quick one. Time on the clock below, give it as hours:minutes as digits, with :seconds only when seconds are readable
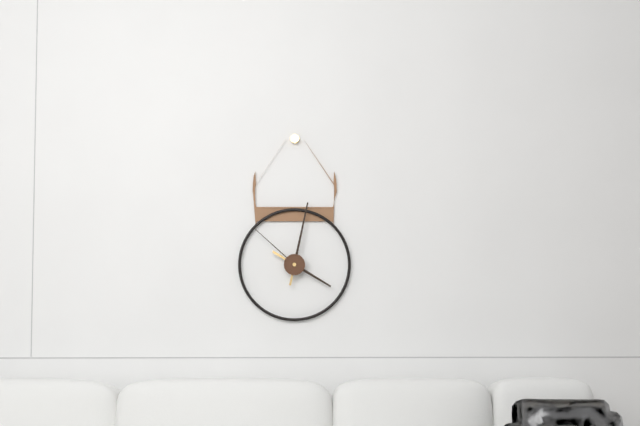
4:02:52
